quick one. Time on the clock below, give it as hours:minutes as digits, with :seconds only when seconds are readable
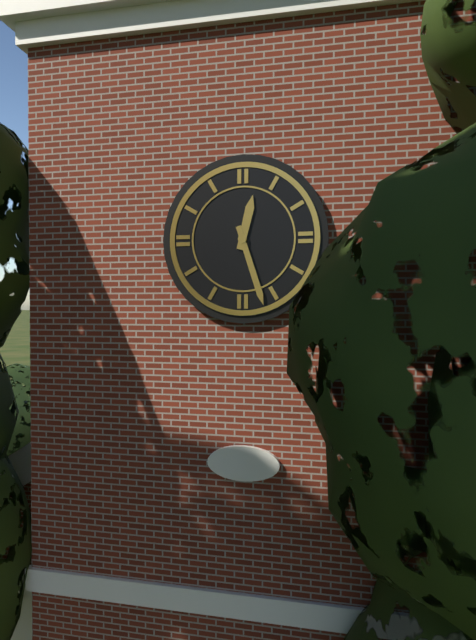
12:27
